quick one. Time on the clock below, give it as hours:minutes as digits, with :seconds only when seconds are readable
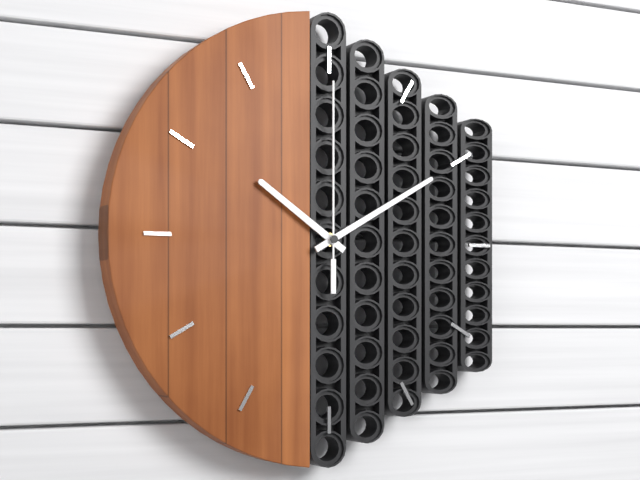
10:10:00
